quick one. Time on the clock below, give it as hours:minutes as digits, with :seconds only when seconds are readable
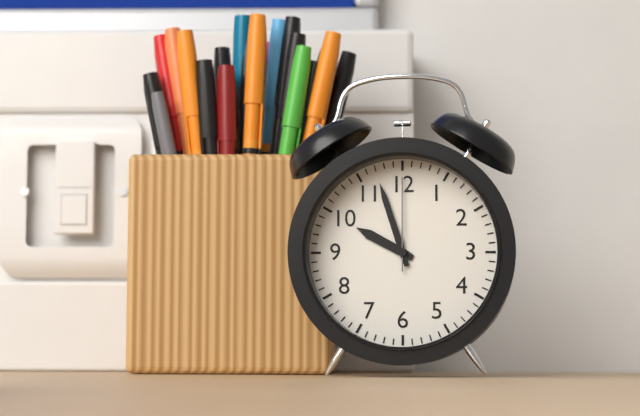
9:57:00
